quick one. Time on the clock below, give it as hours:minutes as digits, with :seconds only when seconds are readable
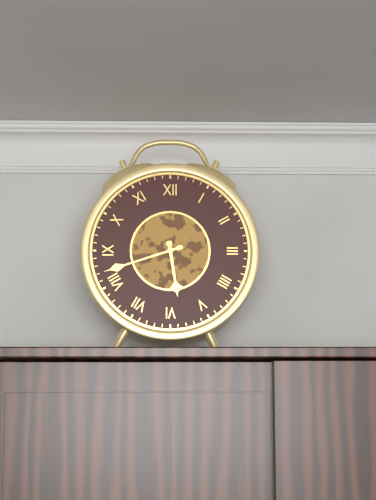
5:42
